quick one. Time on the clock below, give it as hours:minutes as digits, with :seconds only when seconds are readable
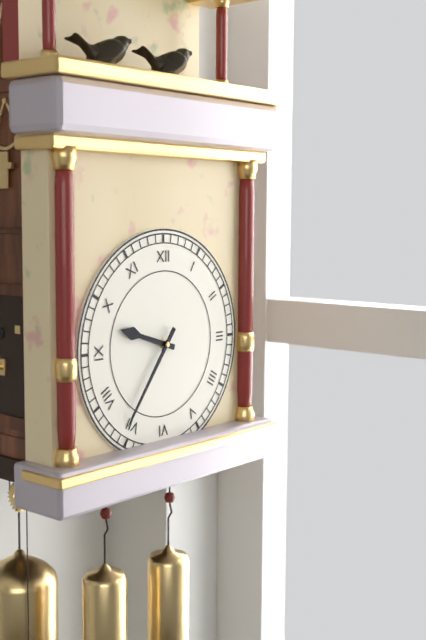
9:36
